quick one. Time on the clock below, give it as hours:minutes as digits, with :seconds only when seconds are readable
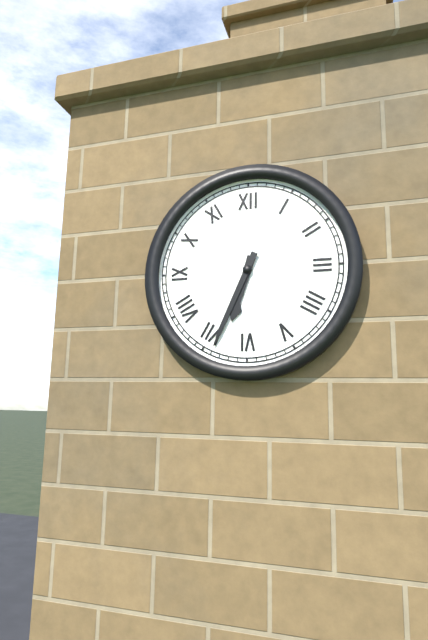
6:34
